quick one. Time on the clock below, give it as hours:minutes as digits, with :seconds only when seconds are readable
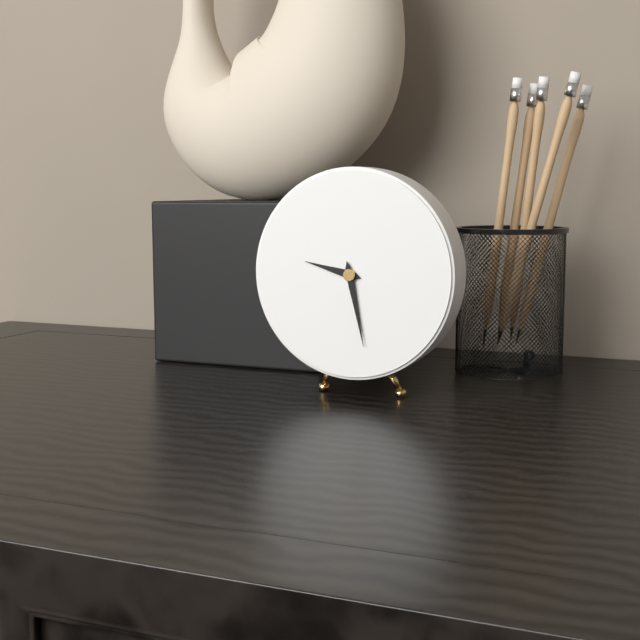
9:28
